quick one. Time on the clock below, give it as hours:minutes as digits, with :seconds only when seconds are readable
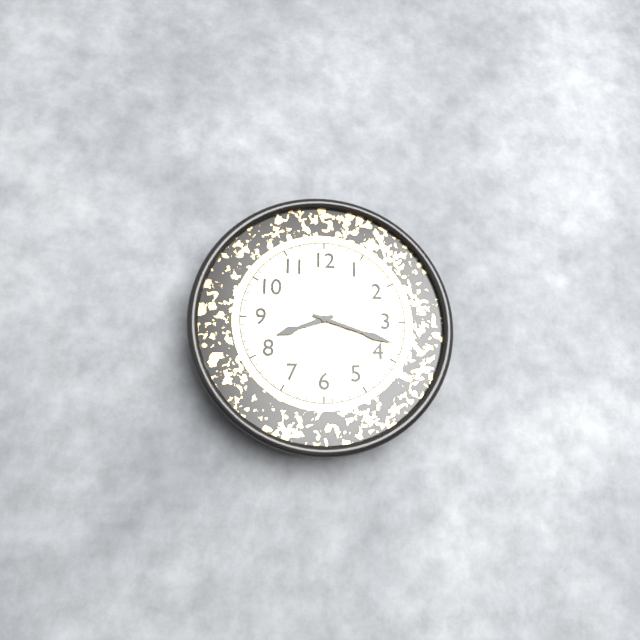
8:18
